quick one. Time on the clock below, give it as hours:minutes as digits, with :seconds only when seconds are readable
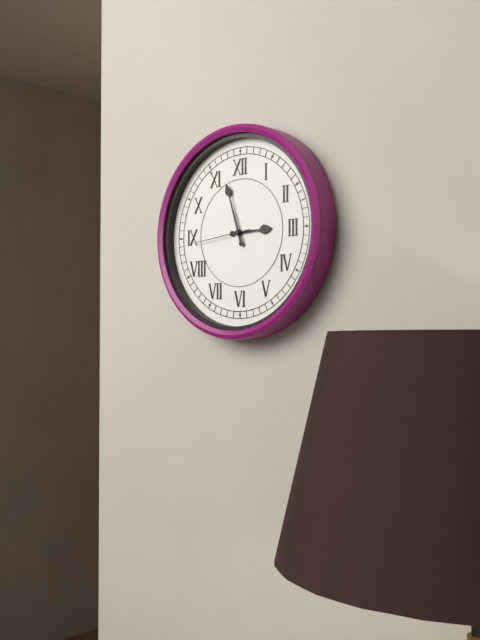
2:57:44
